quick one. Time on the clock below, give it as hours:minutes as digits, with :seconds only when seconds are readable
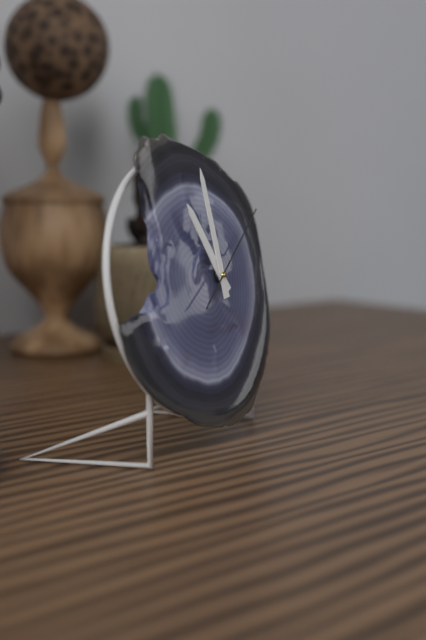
10:59:09
